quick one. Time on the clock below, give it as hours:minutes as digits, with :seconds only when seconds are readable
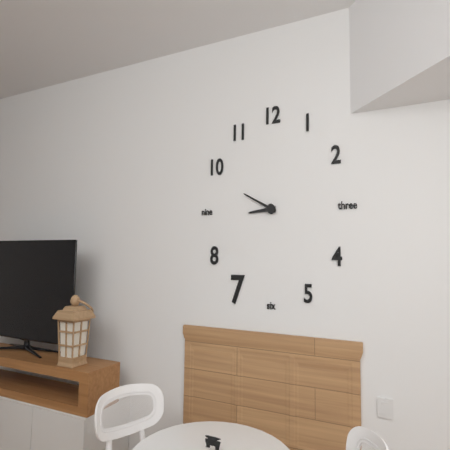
8:49
